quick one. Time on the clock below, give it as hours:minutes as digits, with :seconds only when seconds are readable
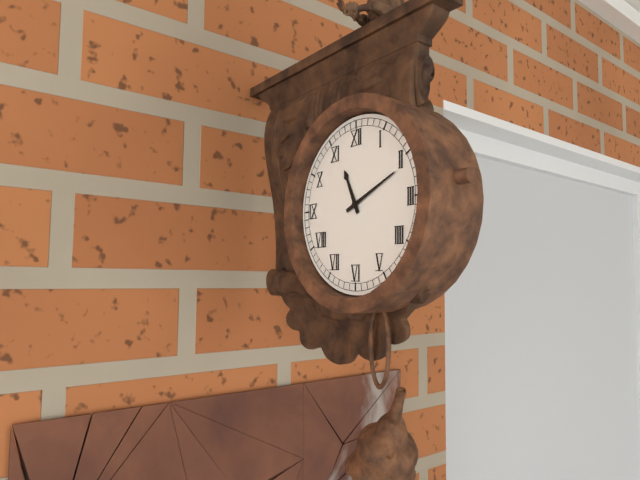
11:11
